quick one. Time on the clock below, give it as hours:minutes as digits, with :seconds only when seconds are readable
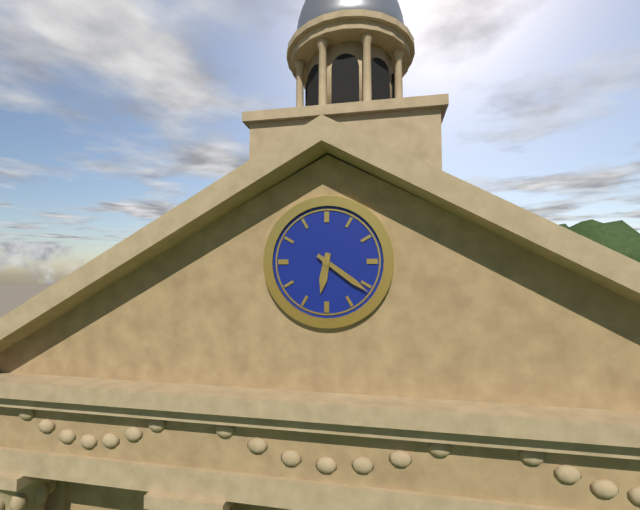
6:21
